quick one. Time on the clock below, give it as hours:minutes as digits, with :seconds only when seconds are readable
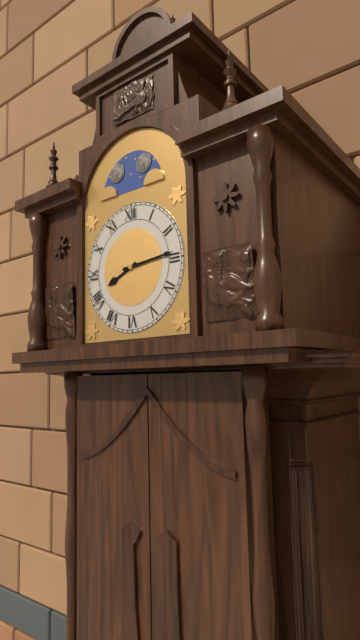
8:14
